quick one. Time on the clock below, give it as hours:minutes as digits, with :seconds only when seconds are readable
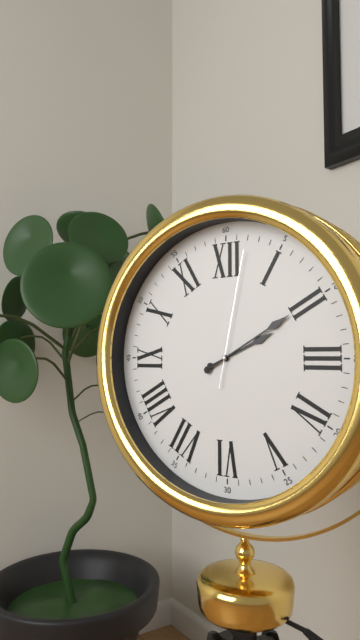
2:10:02
